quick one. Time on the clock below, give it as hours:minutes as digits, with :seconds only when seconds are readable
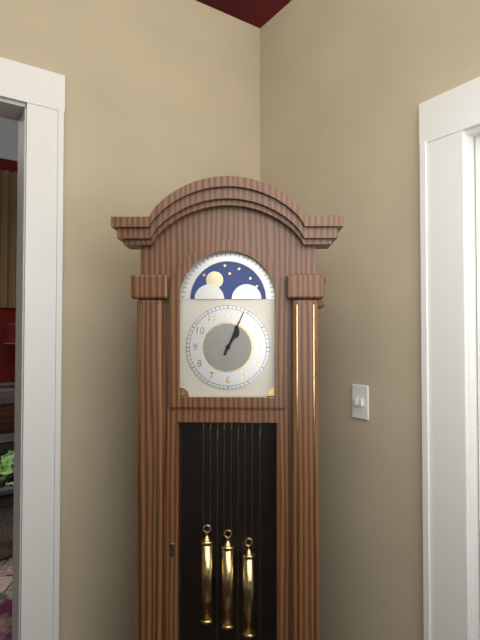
1:04
